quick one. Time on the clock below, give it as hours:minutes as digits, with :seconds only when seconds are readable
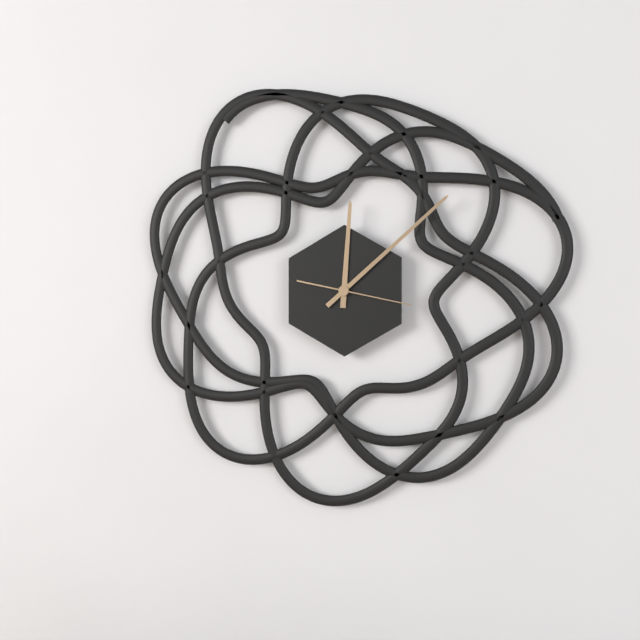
12:08:17
